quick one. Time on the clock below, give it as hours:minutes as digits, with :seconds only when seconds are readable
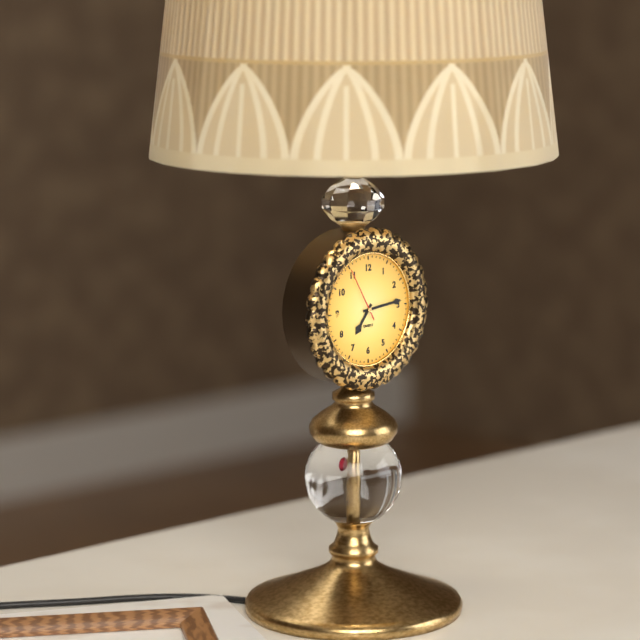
7:14:55
